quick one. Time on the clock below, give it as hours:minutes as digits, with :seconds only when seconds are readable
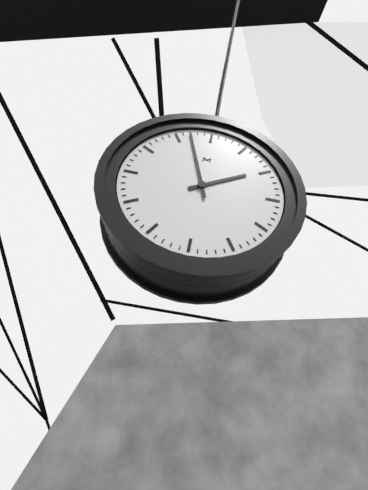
1:57
